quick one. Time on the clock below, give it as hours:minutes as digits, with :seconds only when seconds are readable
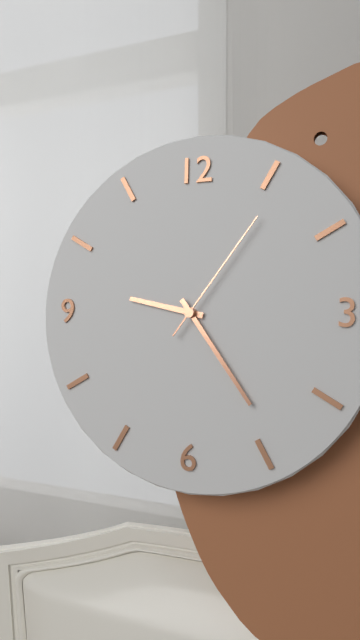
9:24:06
